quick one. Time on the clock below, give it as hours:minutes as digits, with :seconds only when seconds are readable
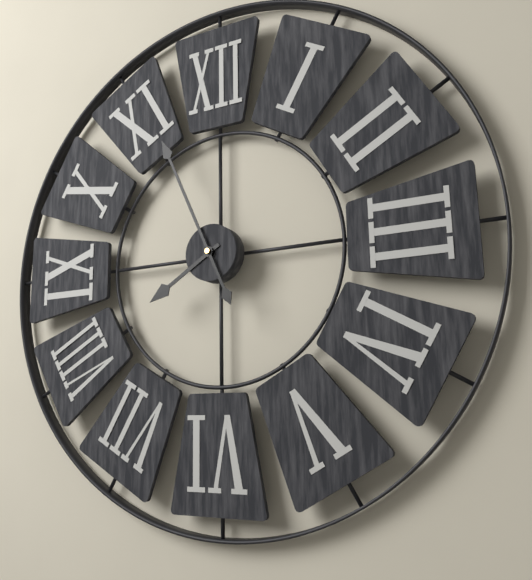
7:56
